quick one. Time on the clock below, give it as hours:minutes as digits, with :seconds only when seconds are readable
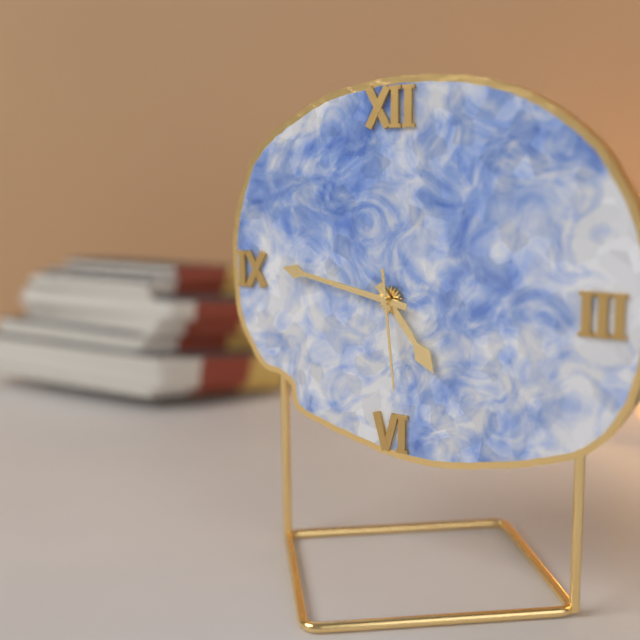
4:47:29
